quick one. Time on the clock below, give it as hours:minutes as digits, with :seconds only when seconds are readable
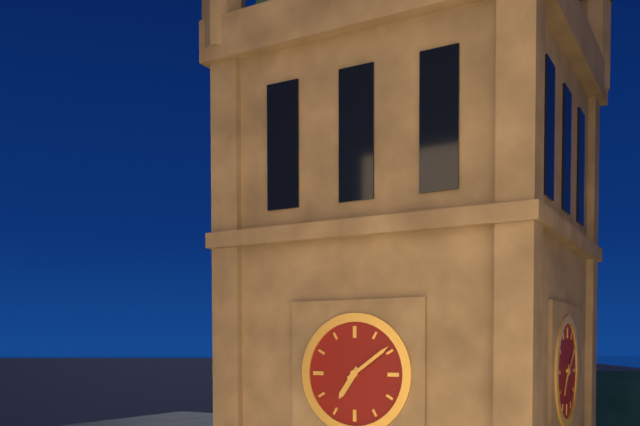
7:09
